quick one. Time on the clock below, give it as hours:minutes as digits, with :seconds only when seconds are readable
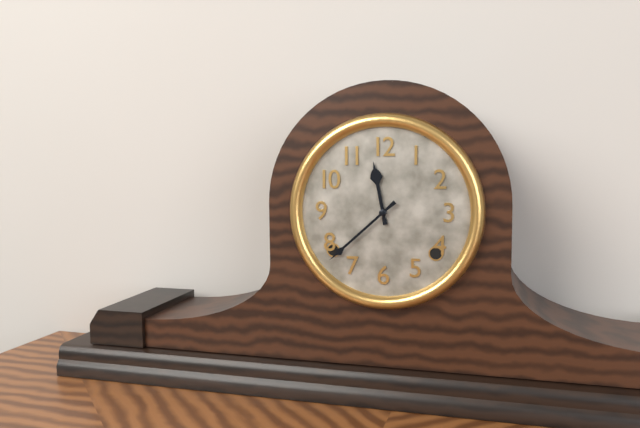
11:38
